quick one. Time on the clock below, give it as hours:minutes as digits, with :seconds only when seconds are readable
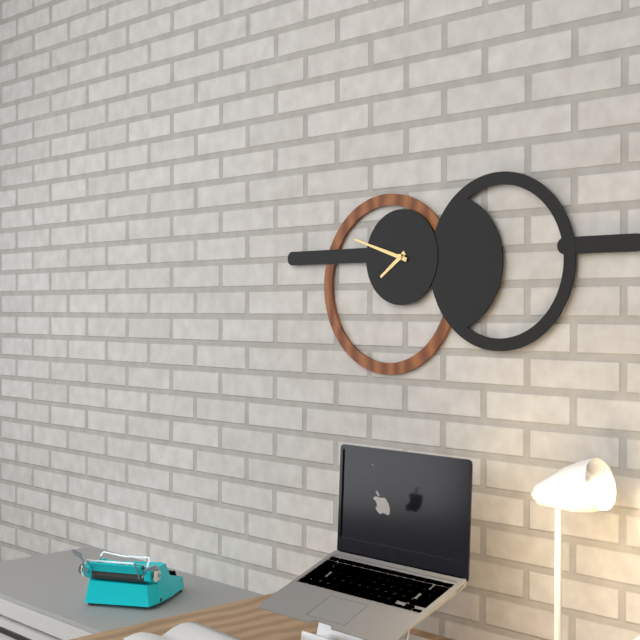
7:48
